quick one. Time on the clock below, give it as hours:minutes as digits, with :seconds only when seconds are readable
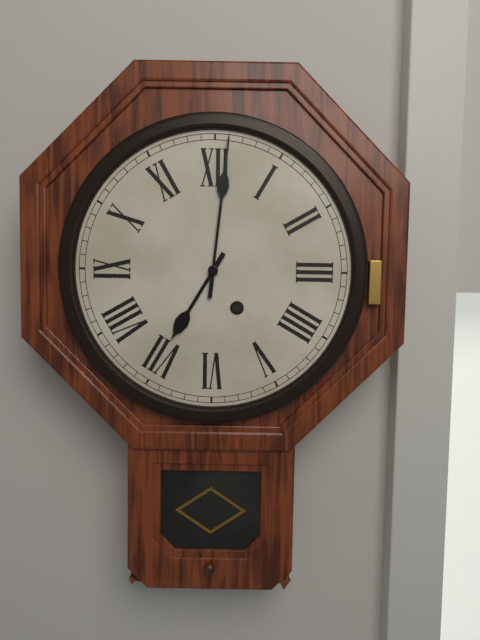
7:01
